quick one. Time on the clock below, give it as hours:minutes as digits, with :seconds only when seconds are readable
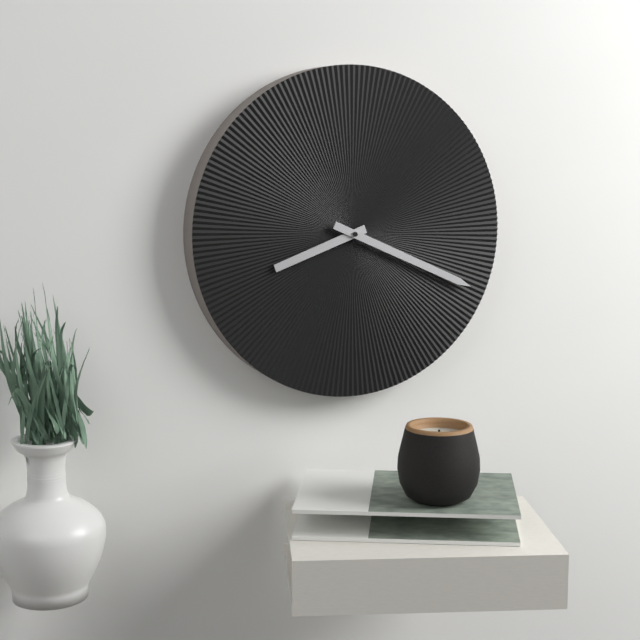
8:19
